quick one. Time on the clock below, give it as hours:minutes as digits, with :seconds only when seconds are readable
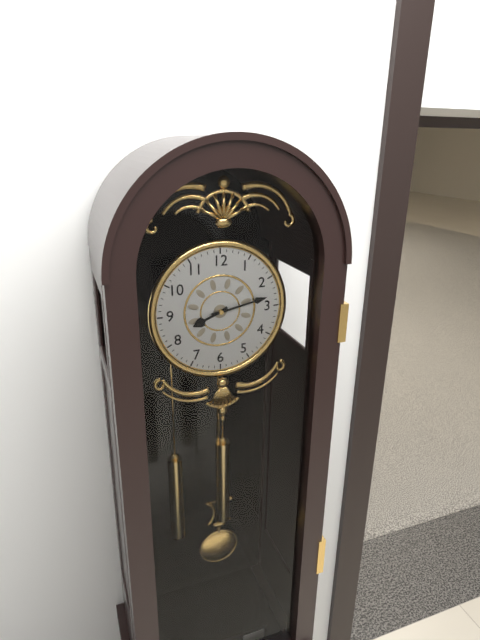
8:13
